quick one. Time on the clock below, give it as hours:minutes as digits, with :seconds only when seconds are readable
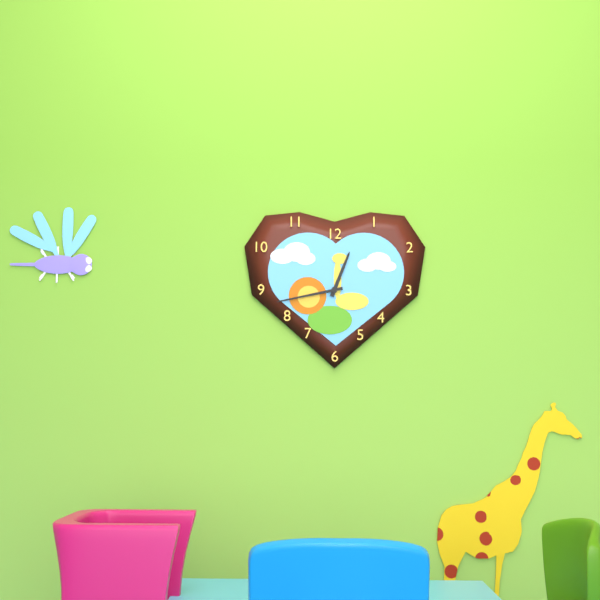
12:43
